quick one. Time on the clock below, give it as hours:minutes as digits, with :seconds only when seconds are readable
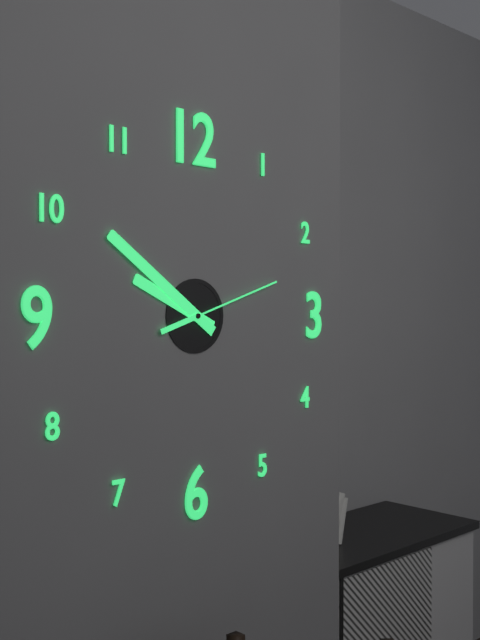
9:51:12
